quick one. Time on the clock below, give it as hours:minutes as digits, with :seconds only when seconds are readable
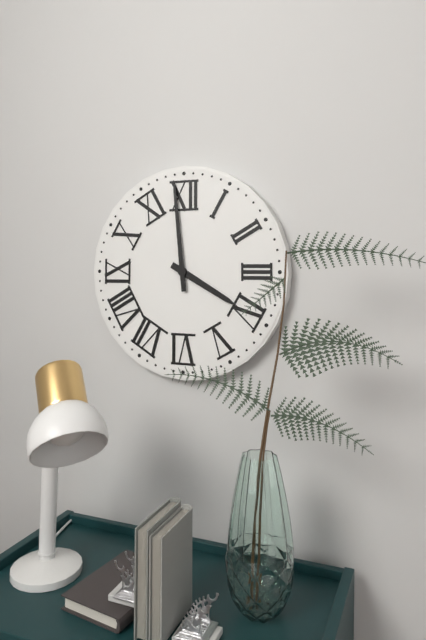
3:59
